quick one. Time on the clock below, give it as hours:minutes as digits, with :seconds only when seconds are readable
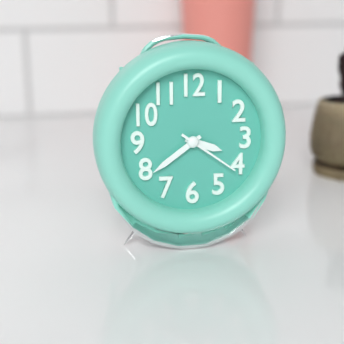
3:39:21
